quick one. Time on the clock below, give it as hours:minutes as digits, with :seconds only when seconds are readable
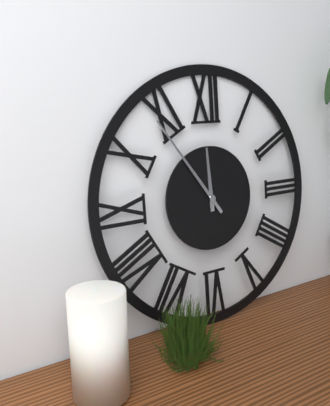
11:54
